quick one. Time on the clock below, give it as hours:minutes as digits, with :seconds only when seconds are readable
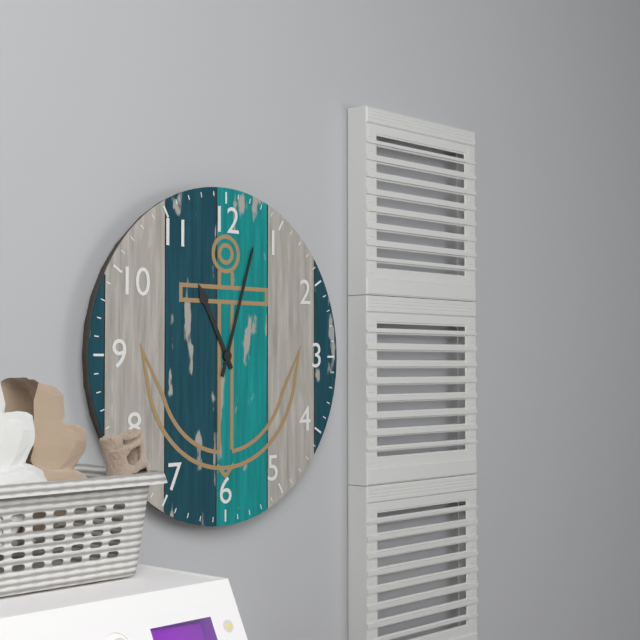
11:03
